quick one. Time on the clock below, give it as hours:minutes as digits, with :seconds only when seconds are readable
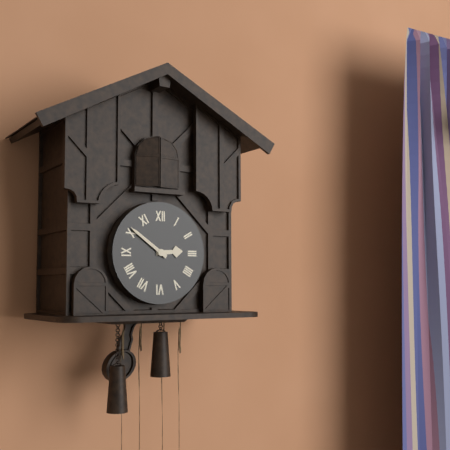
2:51
